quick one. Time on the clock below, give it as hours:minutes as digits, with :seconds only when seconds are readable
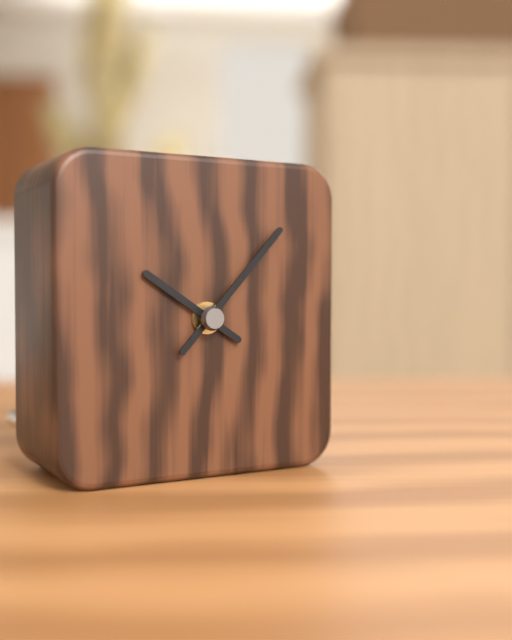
10:07
